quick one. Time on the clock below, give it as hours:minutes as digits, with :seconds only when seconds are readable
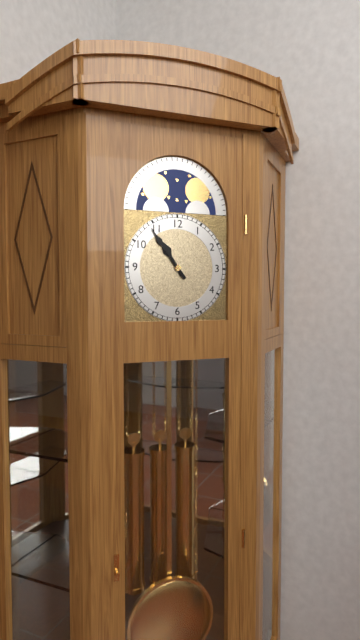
10:54
